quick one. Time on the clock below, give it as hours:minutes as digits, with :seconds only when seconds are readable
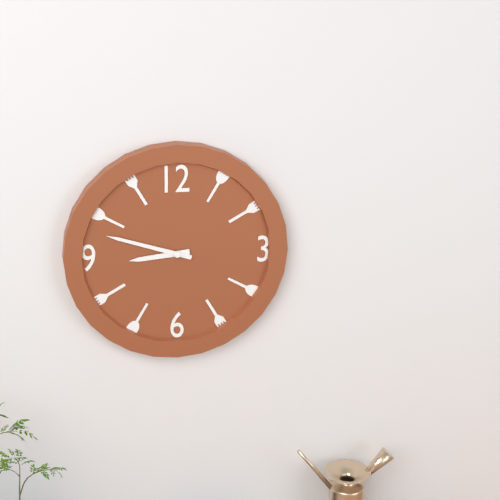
8:48
